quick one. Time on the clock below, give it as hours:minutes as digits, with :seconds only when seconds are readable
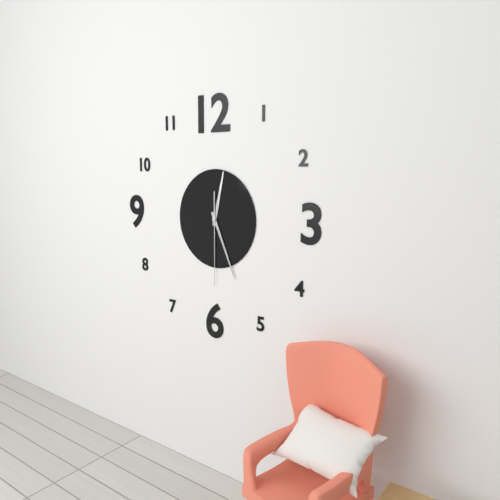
12:26:30
